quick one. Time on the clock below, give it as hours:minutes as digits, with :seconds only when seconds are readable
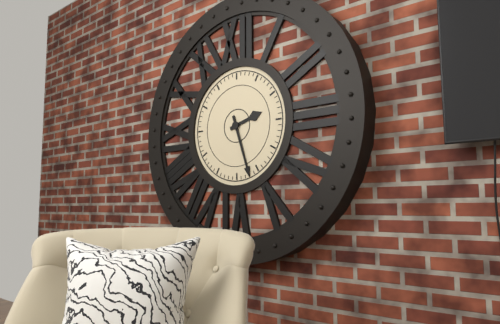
2:27
